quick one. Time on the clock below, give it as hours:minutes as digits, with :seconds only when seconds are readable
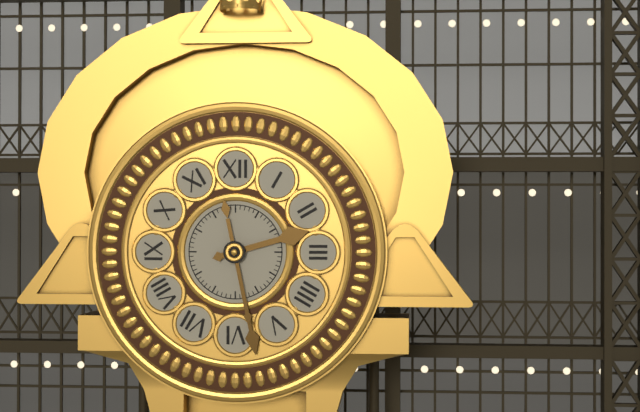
2:28
